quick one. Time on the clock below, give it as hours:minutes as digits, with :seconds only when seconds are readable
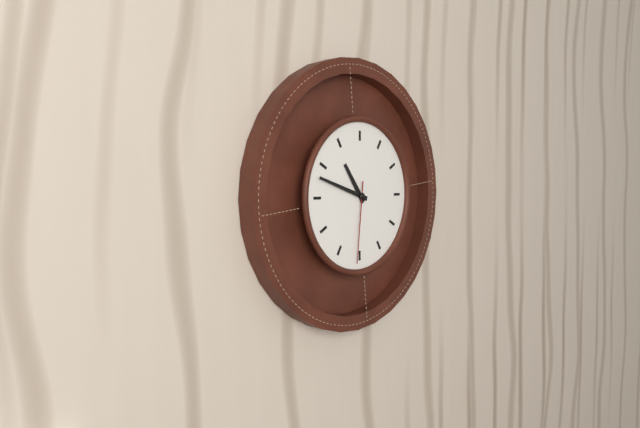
10:48:31
